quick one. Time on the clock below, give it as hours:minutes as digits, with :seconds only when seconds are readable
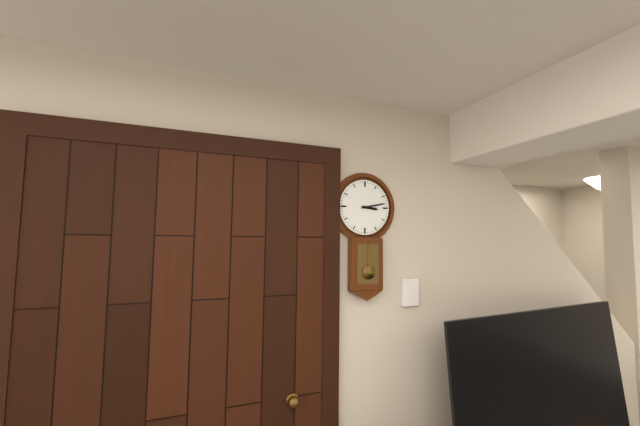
3:13
